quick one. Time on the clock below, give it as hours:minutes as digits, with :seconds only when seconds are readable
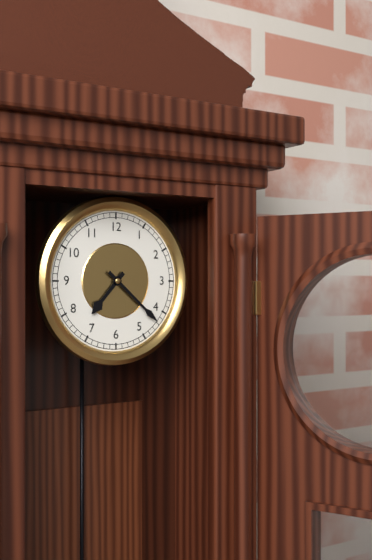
7:22
